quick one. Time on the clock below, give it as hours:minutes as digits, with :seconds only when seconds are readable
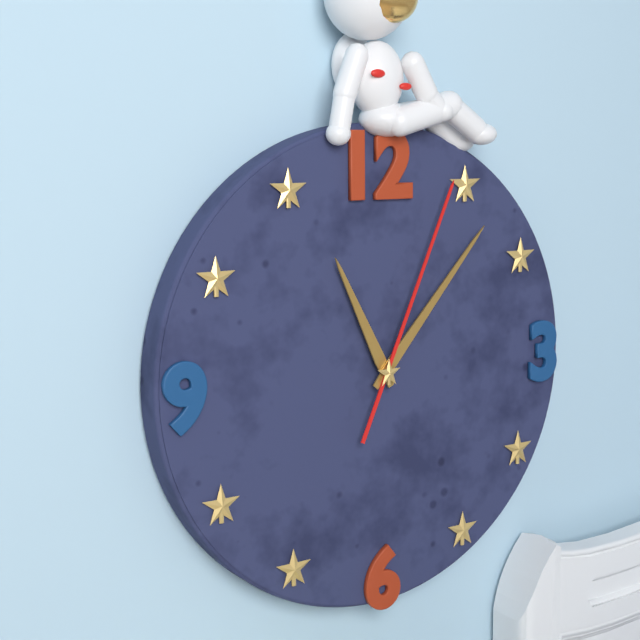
11:07:04
